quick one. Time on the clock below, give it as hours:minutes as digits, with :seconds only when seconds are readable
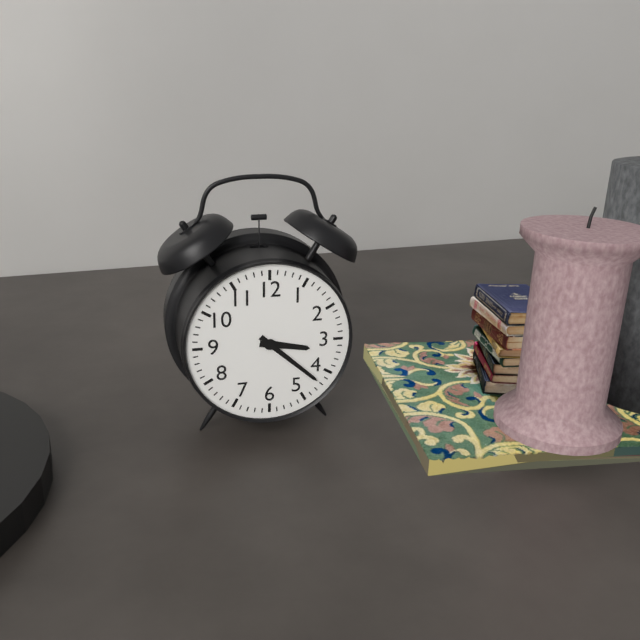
3:22
